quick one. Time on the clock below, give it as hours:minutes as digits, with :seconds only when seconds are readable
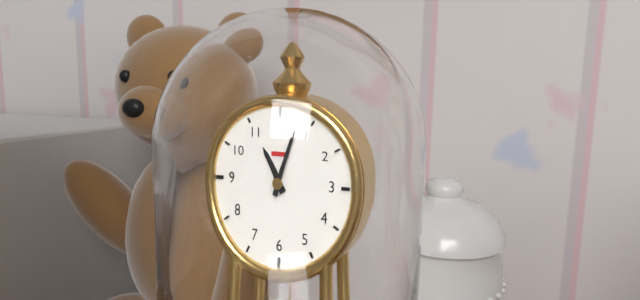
11:03
